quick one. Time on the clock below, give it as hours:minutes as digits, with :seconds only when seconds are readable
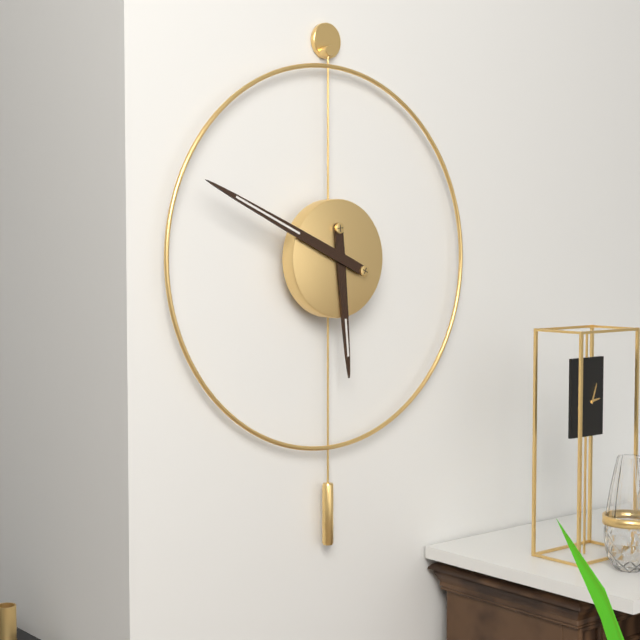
5:49
